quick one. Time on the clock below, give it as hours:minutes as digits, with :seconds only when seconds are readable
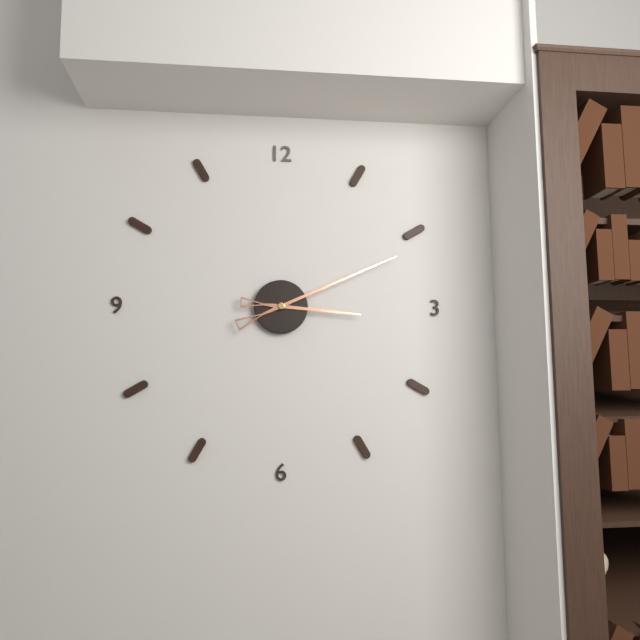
3:11
